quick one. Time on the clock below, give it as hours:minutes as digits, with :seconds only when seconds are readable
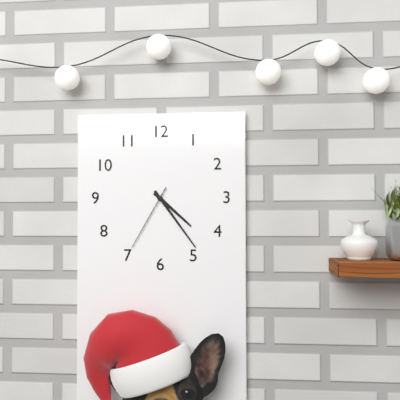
4:24:35
